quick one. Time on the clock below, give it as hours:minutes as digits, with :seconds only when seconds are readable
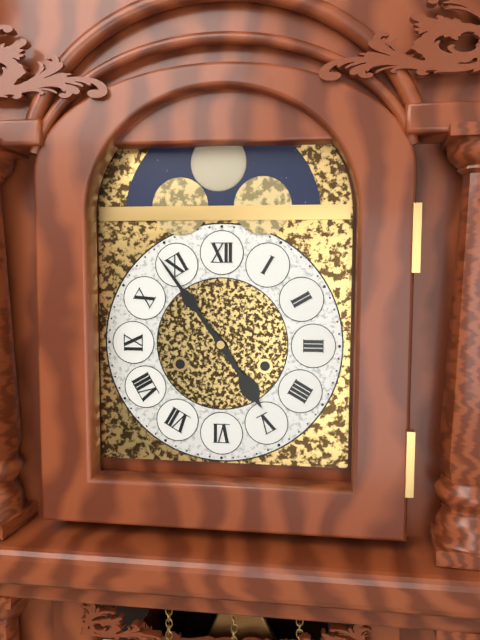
4:54
